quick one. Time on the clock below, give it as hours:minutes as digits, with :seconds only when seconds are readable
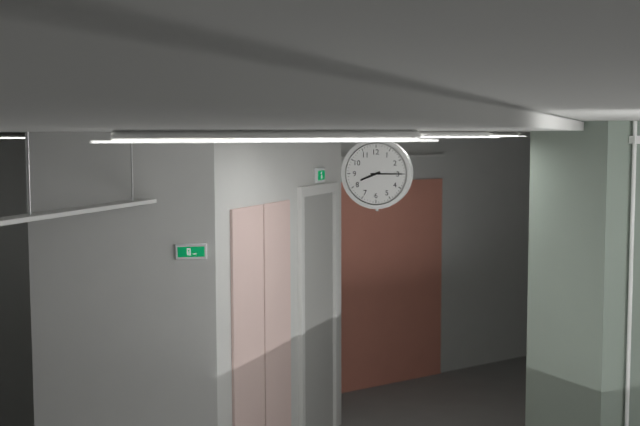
8:15
